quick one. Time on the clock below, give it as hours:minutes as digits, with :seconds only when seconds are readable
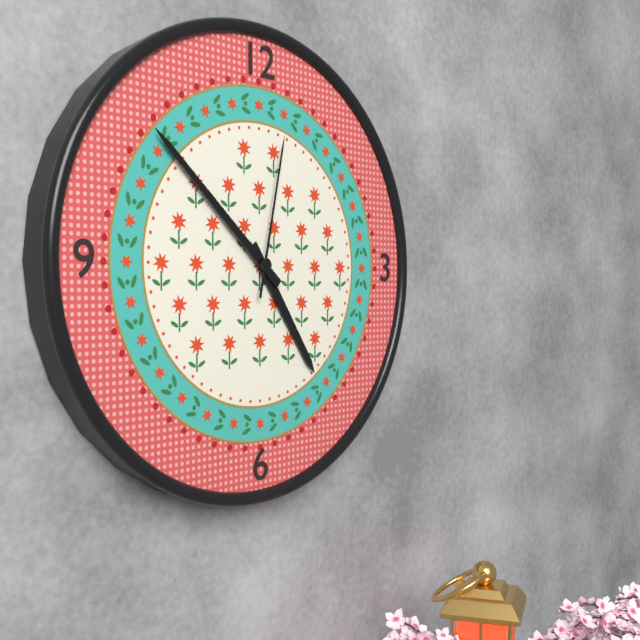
4:52:02
